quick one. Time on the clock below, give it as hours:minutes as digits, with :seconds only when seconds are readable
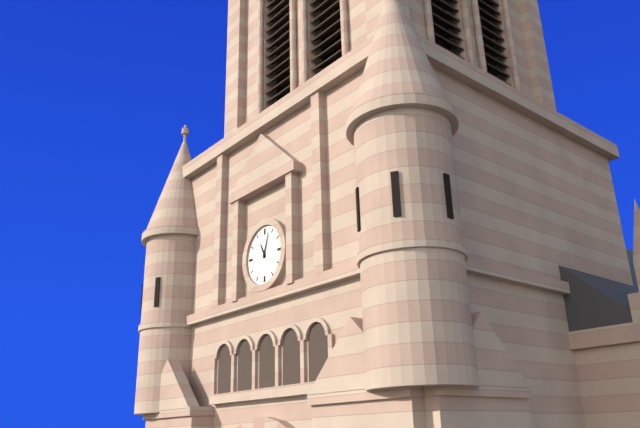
11:03
